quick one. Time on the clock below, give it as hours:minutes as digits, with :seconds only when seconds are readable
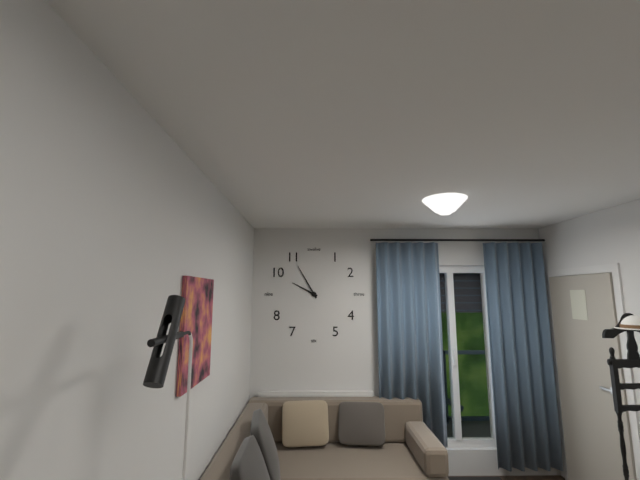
9:55
